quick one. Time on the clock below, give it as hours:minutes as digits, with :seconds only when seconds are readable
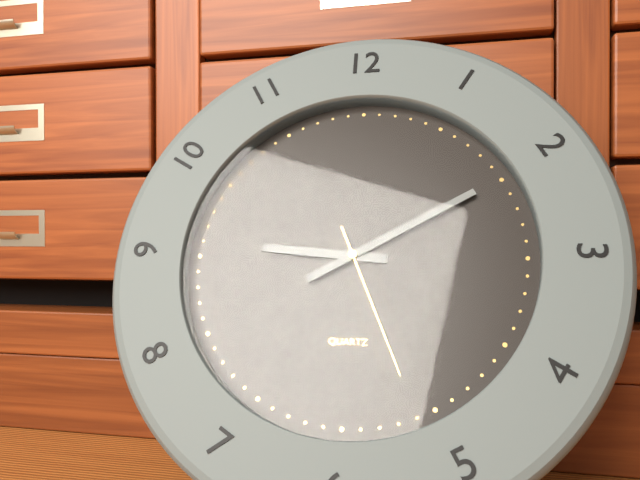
9:10:26
